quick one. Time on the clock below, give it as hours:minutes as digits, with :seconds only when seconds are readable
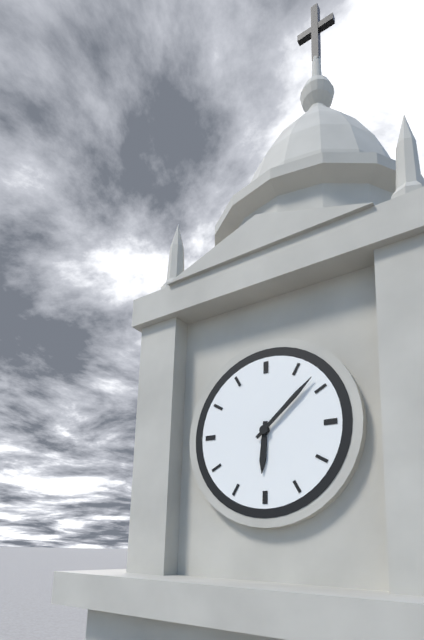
6:08
